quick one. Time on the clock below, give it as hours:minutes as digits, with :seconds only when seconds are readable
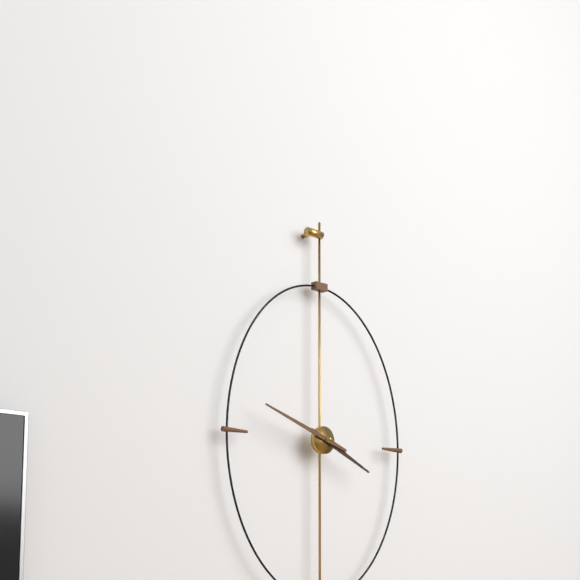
3:48
